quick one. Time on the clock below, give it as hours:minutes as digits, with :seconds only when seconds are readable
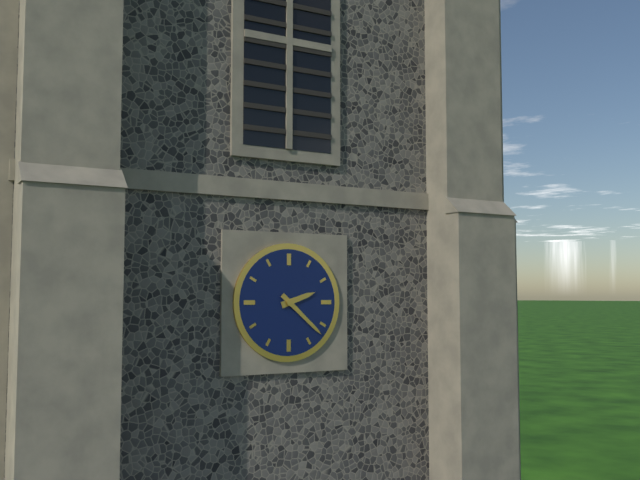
2:22
